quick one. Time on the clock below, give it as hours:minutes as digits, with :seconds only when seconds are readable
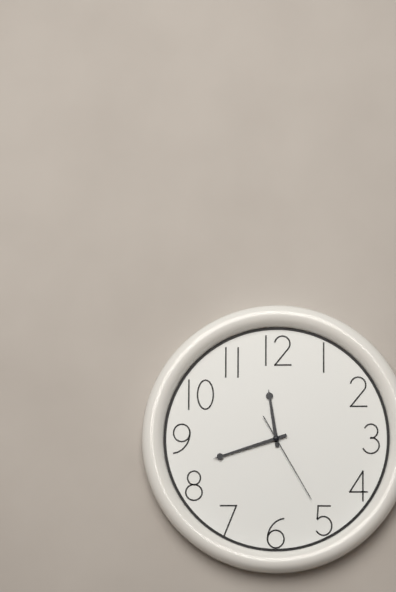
11:42:25
